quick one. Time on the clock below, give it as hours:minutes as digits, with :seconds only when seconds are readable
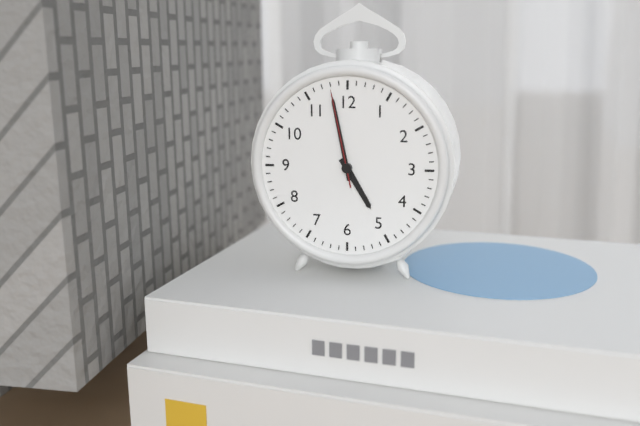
4:58:58
